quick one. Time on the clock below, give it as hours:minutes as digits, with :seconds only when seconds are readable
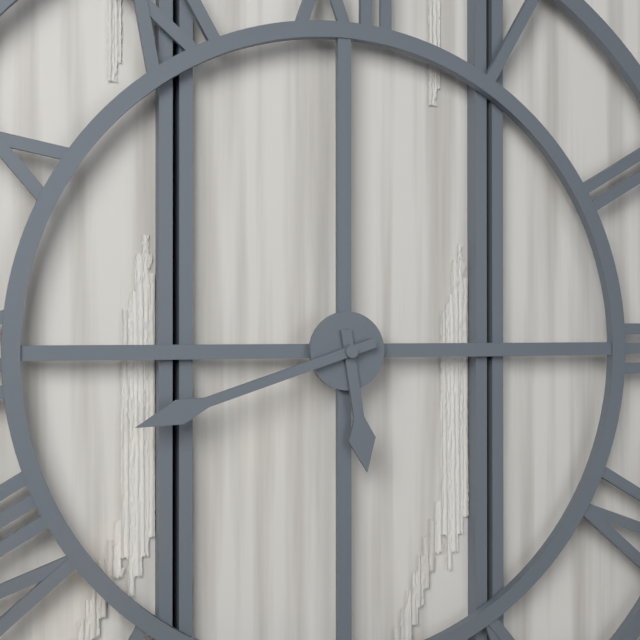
5:42
